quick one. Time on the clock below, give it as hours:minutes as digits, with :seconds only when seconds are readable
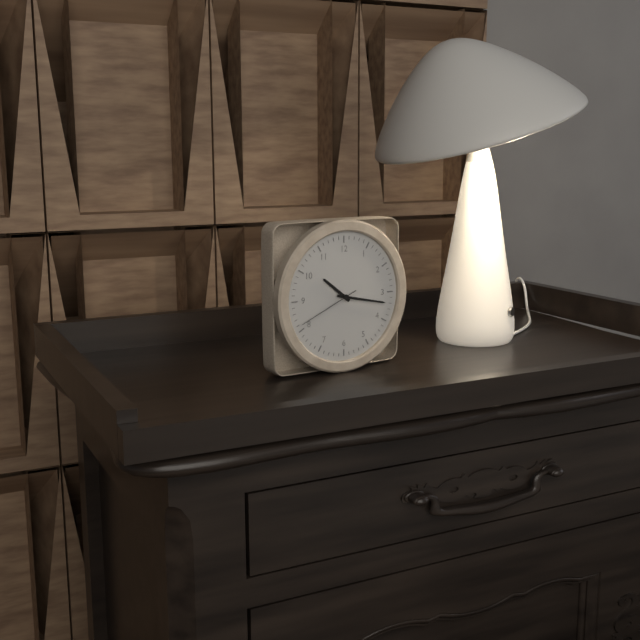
10:17:41
